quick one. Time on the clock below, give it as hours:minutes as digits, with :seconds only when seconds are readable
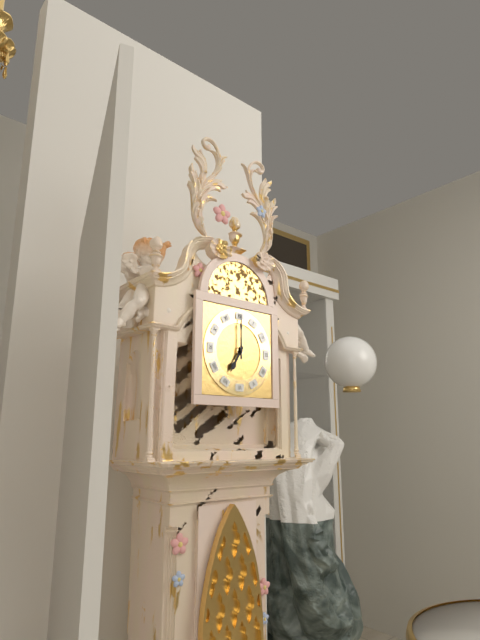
7:00
